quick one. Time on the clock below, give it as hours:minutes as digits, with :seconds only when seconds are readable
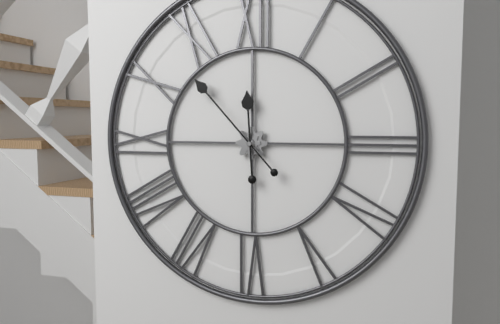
11:53
